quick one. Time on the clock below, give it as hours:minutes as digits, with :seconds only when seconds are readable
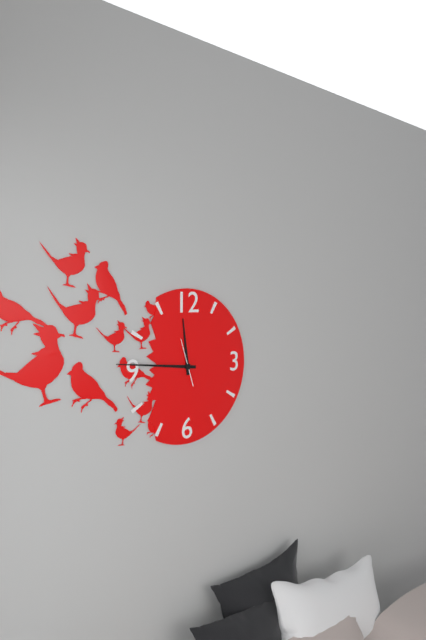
11:46
